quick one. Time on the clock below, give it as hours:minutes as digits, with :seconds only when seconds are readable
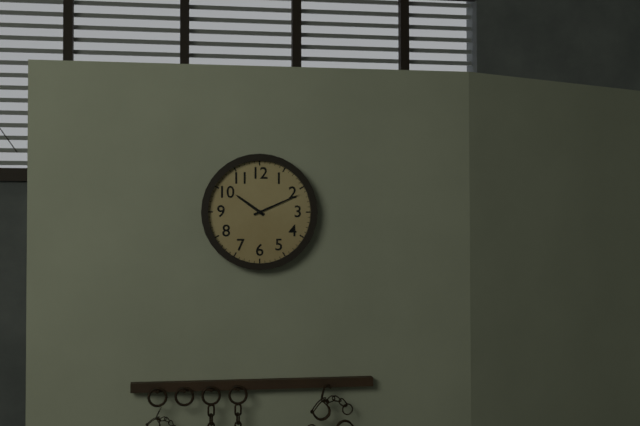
10:11
